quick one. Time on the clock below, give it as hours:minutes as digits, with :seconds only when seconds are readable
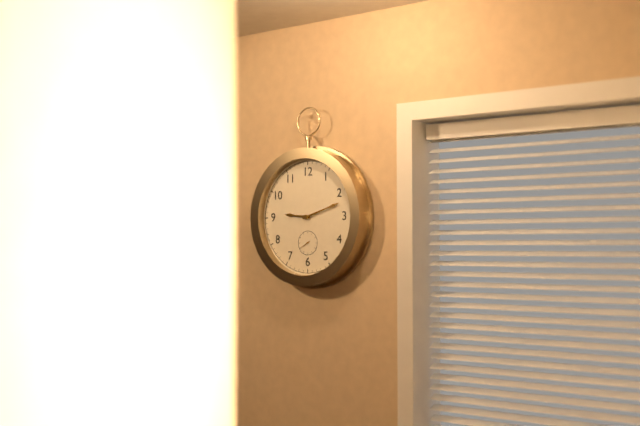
9:12
